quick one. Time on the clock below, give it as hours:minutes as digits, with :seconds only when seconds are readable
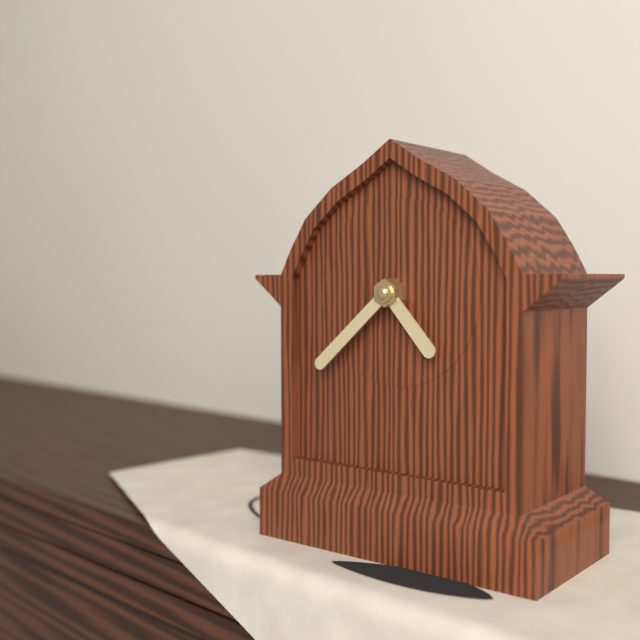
4:38
